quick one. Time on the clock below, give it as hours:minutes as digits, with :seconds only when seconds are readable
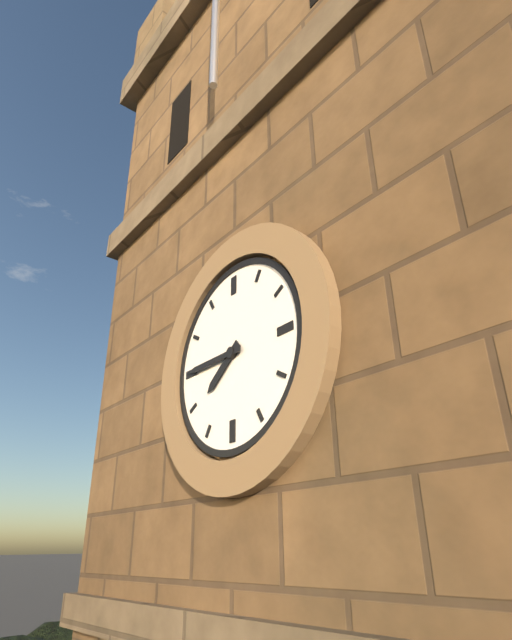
7:45
